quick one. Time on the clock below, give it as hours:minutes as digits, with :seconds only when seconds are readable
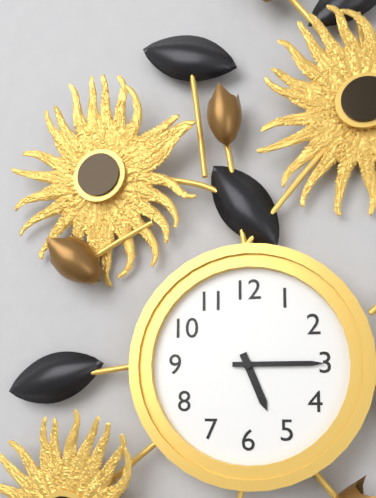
5:15
